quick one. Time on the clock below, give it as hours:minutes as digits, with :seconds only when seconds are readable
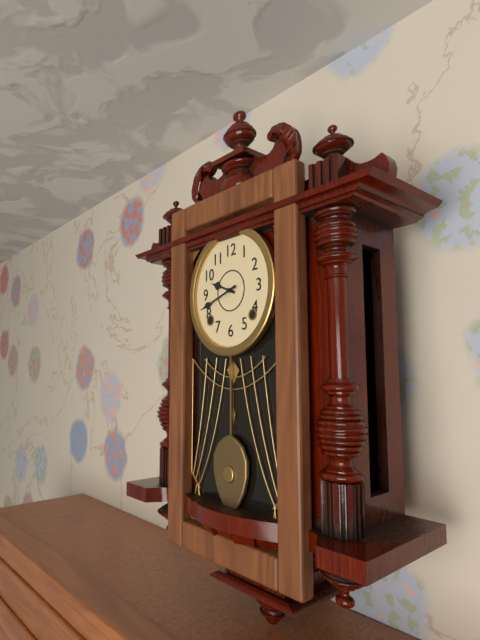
9:42
